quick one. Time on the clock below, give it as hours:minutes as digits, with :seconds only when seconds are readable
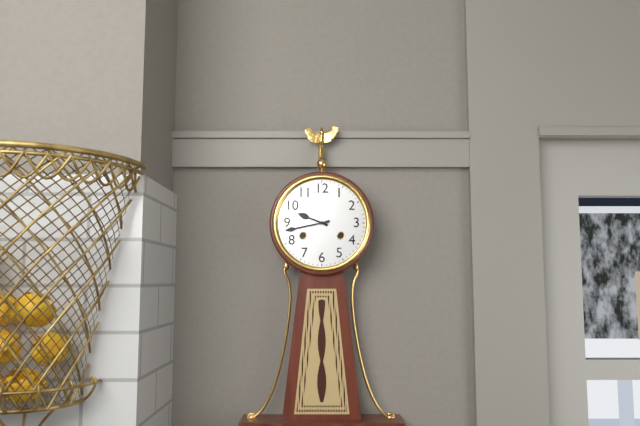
9:43
